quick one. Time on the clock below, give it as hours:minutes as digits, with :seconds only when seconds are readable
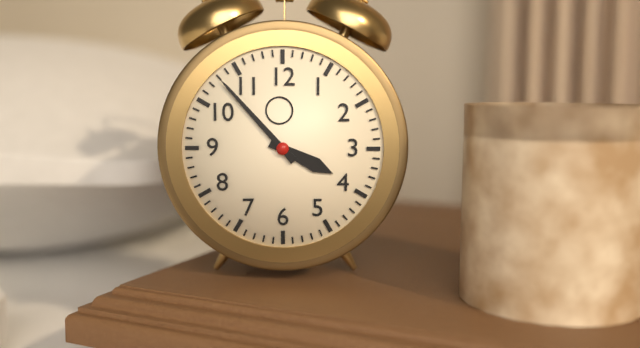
3:53
